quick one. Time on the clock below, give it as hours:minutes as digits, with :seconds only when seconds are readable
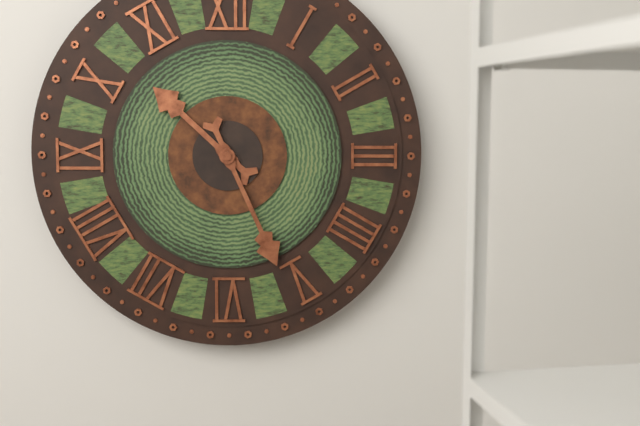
10:26
